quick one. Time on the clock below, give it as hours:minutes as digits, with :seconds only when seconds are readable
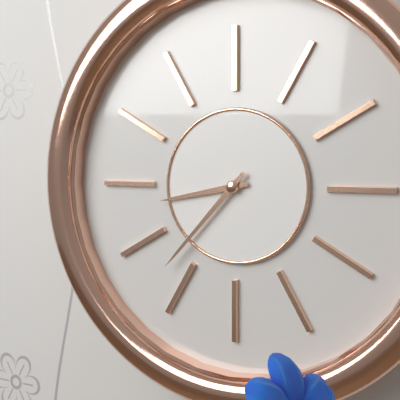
8:37
